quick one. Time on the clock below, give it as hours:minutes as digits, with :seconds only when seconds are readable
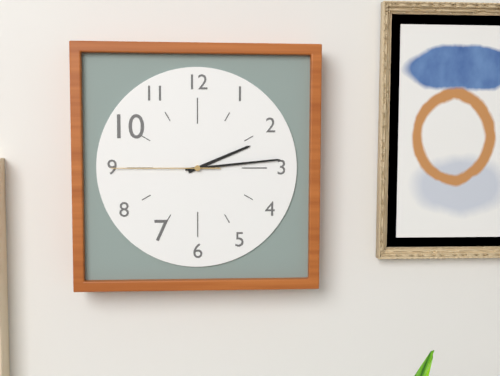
2:14:45
